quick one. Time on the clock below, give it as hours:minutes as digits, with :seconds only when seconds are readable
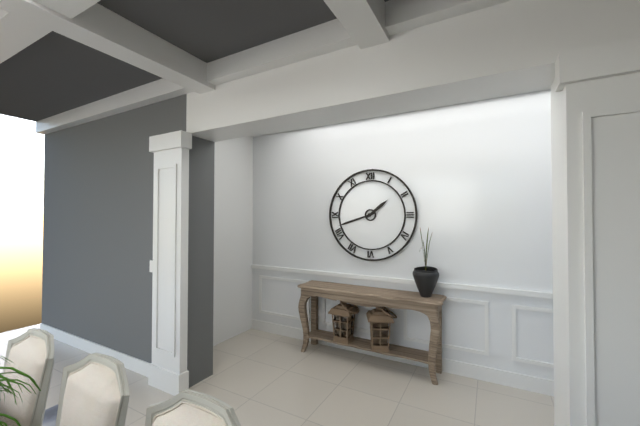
1:42
